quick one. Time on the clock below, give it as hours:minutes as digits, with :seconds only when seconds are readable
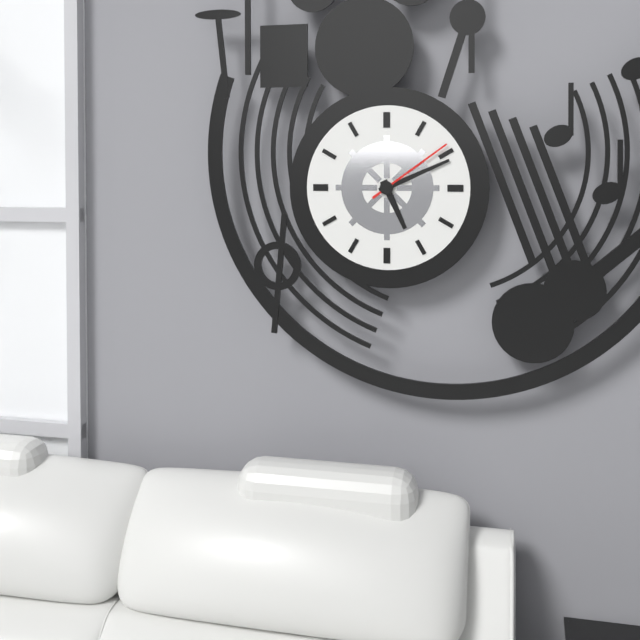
5:11:09
